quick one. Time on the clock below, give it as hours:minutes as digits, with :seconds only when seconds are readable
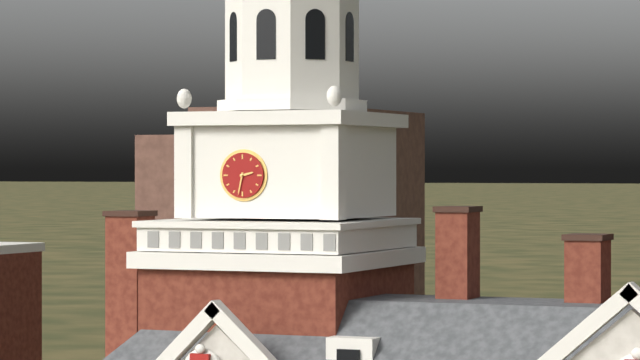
2:32
